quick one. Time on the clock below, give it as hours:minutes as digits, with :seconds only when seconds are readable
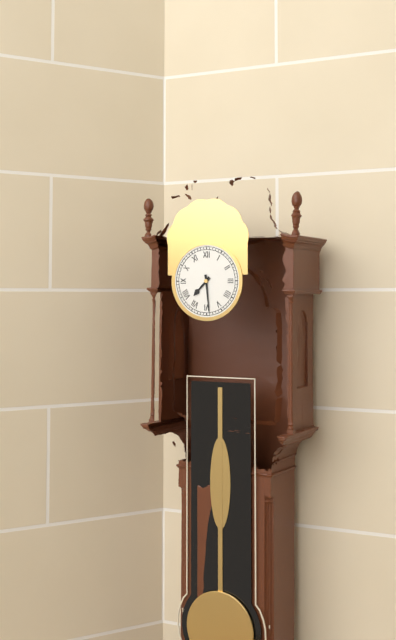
7:29
